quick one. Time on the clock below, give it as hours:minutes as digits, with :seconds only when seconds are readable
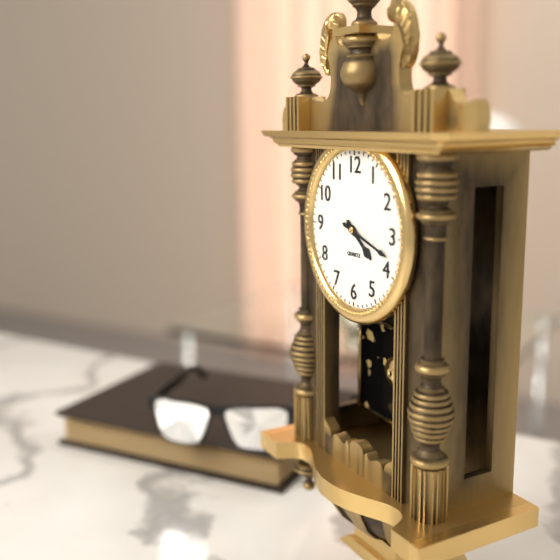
4:18
